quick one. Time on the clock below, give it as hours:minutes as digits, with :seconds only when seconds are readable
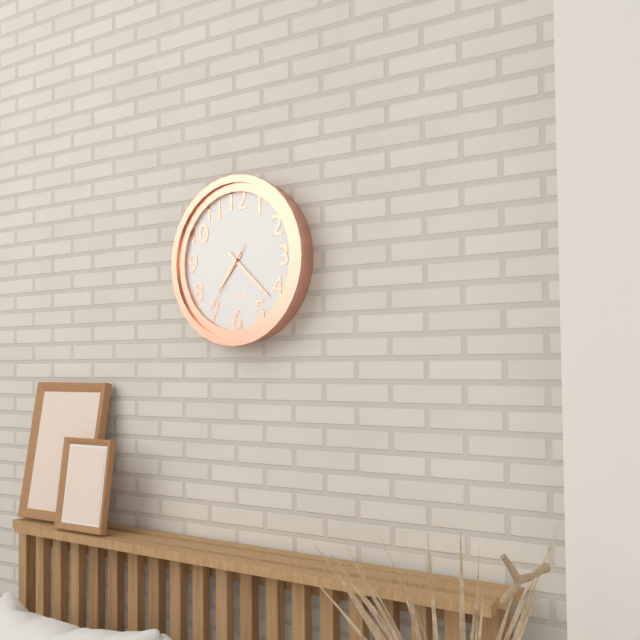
7:22:36
